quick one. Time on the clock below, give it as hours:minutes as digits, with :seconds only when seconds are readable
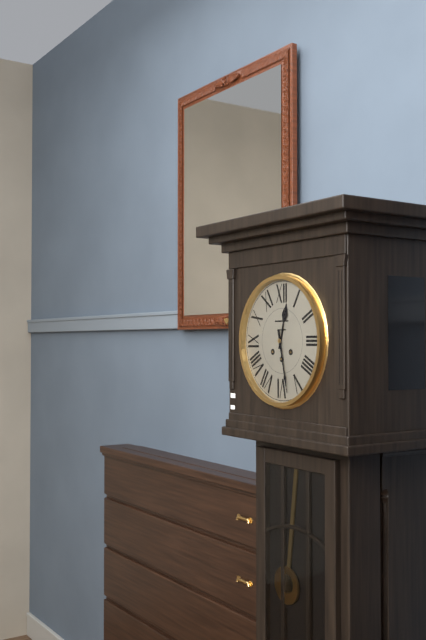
12:28
